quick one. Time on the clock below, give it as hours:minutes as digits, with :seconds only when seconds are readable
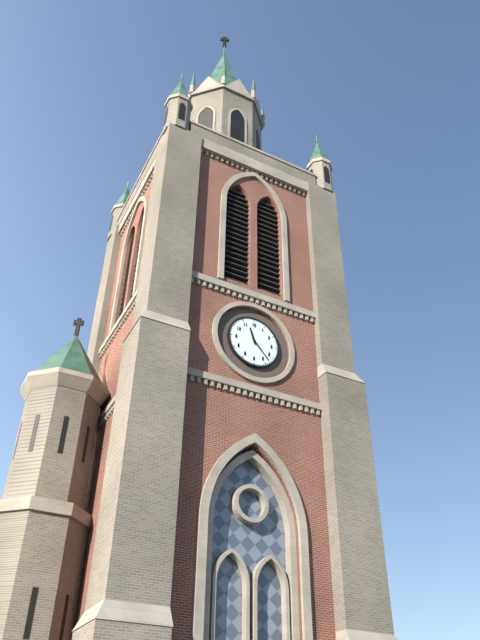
11:23
